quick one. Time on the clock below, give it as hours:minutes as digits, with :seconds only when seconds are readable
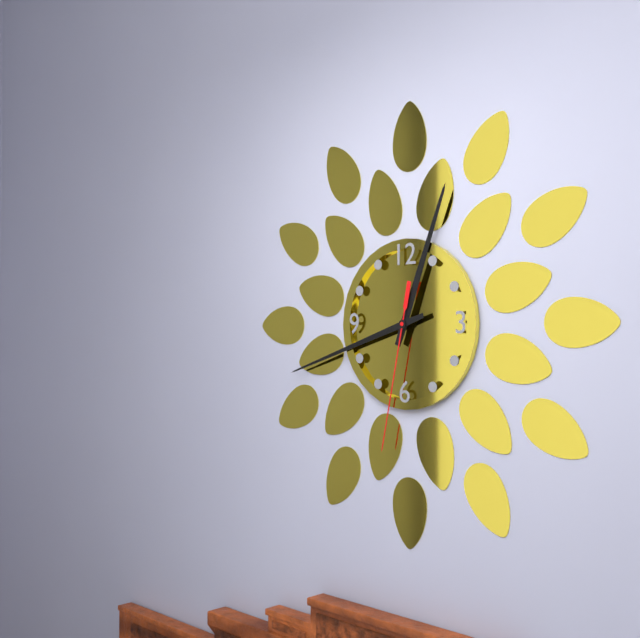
12:42:32
